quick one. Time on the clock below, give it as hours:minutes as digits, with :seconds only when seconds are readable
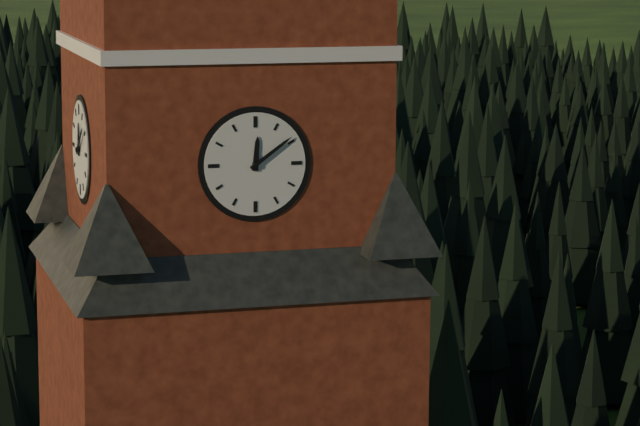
12:09
